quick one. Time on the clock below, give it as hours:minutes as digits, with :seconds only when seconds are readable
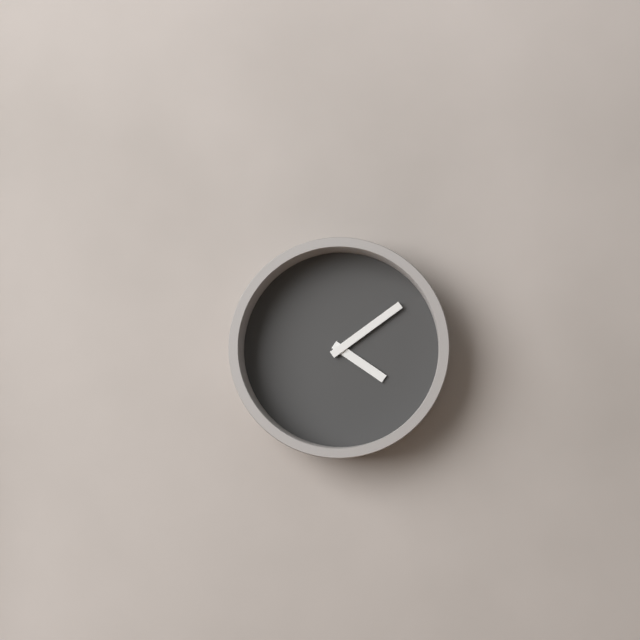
4:09
